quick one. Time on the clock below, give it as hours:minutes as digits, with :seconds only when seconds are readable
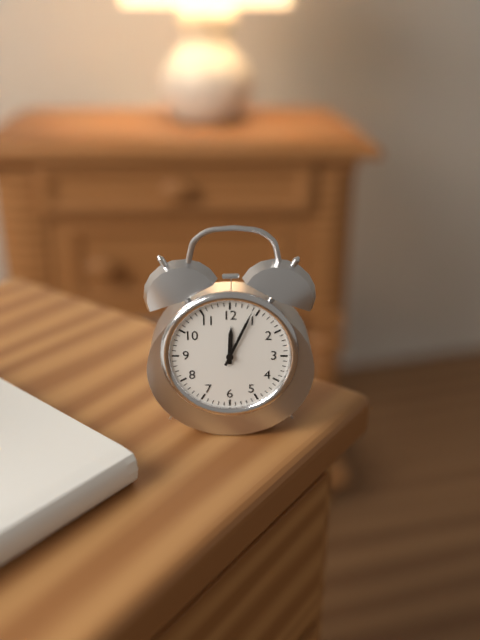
12:04
